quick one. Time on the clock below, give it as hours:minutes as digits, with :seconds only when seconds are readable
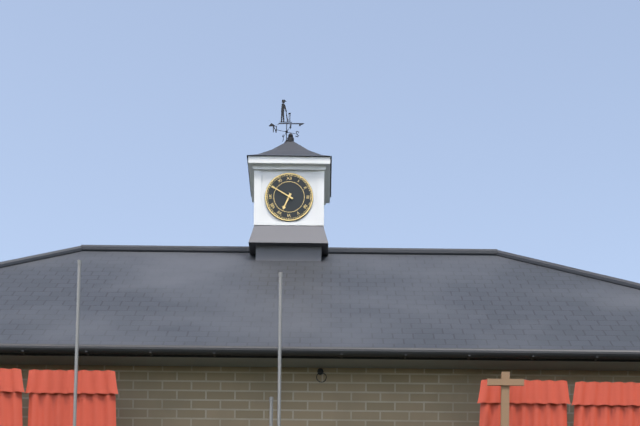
6:50
